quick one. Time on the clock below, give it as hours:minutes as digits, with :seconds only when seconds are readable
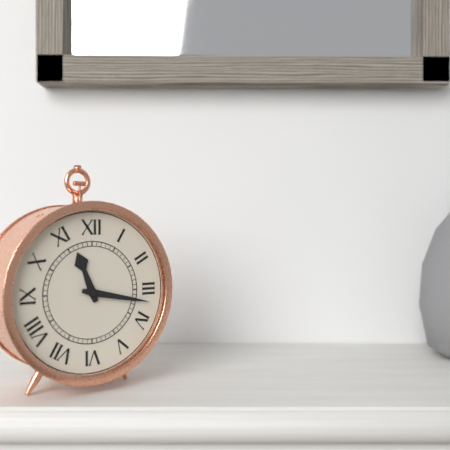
11:17
